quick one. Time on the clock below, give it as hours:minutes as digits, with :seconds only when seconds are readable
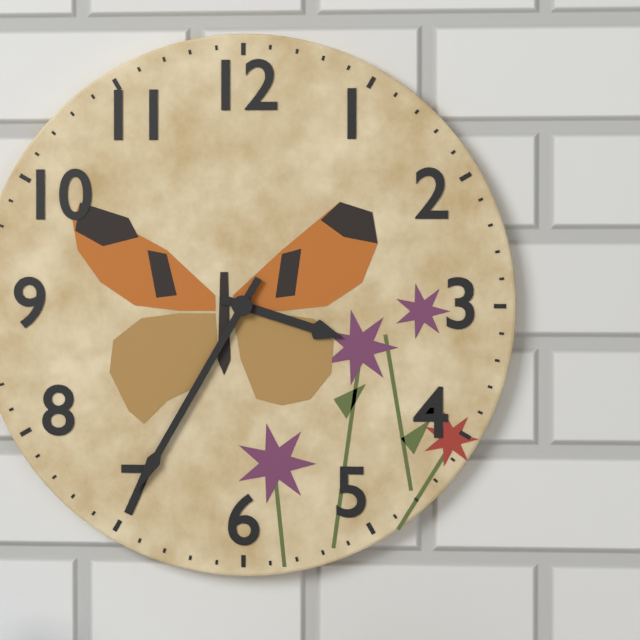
3:35
